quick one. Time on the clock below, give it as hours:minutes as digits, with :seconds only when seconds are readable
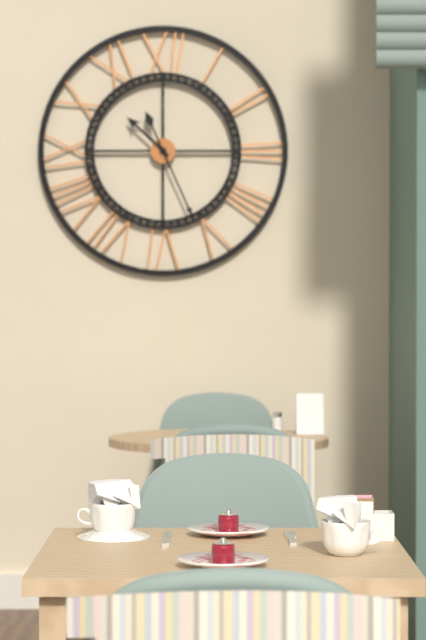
10:26
